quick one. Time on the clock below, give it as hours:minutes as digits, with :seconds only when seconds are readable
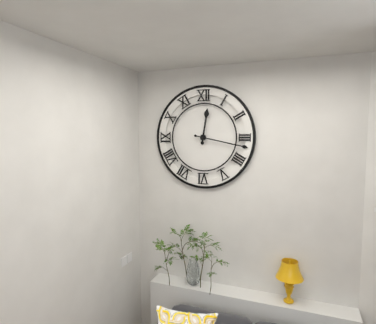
12:17
